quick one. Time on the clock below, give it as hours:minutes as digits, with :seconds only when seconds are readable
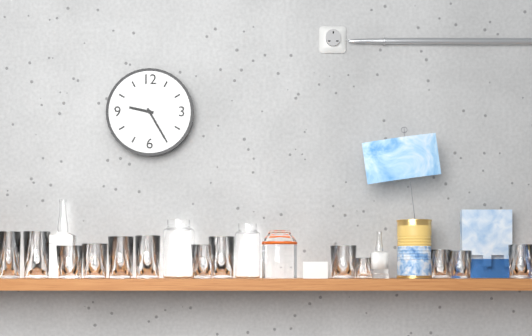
9:25
